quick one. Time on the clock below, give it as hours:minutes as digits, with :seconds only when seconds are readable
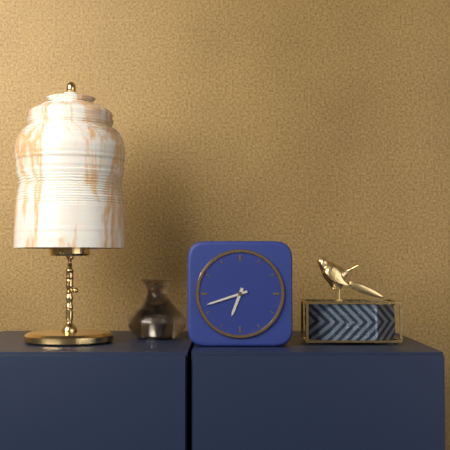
6:42
